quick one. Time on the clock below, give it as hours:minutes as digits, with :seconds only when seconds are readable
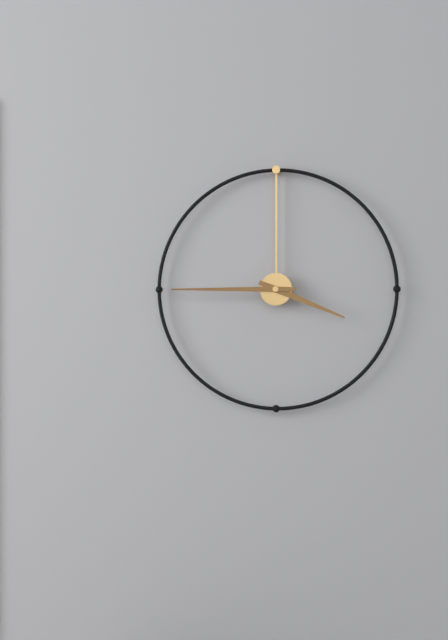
3:45
